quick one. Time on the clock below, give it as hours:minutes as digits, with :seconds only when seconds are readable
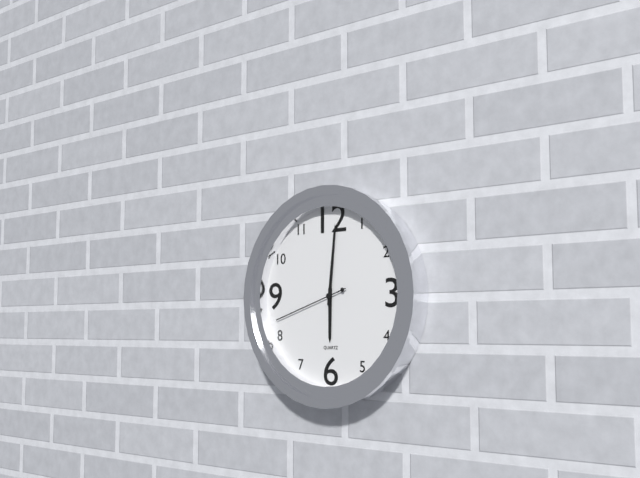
6:01:42
